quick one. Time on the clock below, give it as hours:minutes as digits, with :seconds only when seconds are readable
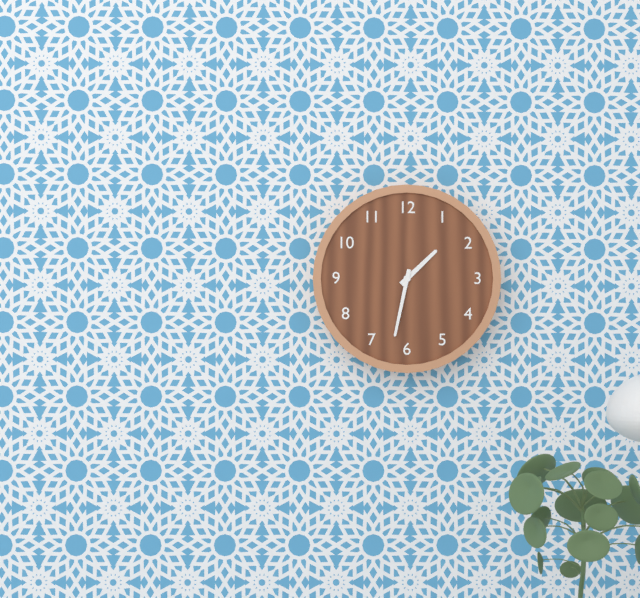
1:32
